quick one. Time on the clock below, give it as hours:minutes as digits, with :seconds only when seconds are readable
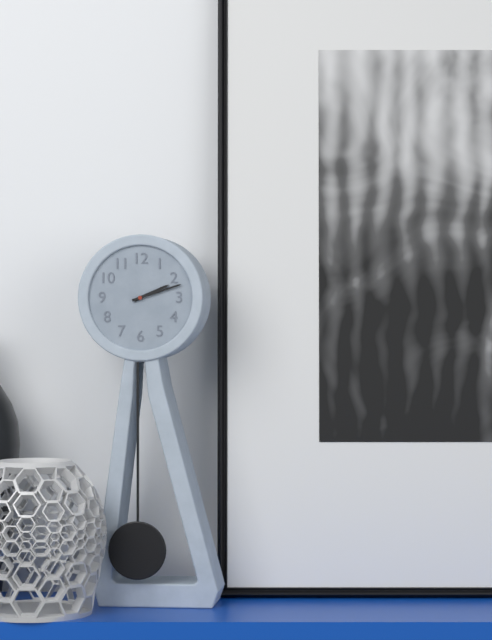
2:12
